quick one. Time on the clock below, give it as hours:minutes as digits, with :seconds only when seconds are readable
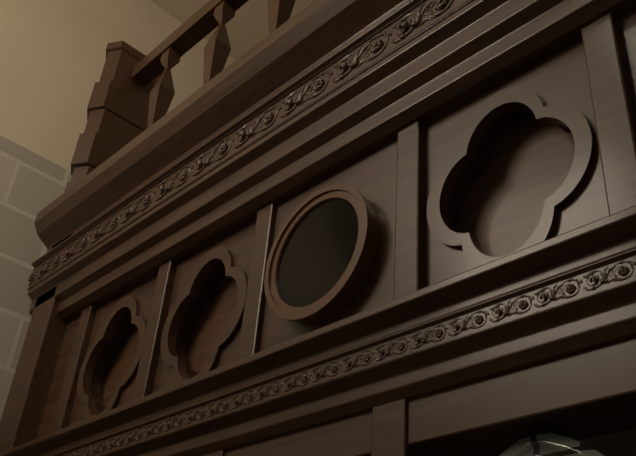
4:05
